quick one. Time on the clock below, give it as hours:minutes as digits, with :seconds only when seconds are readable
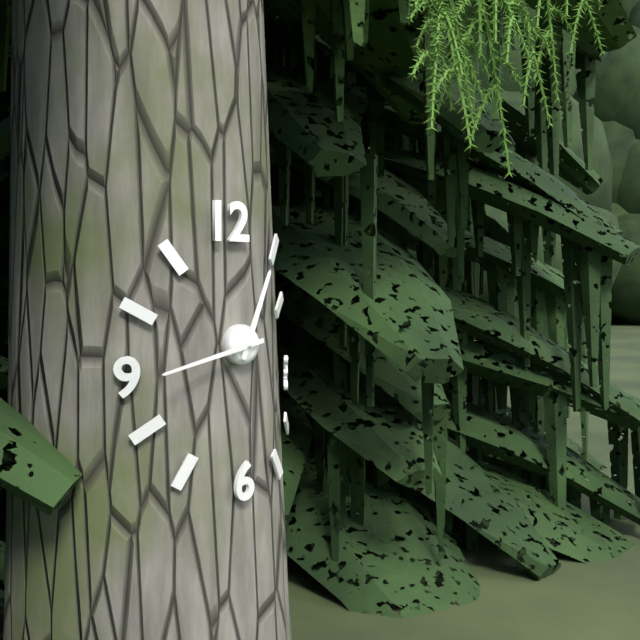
12:43
